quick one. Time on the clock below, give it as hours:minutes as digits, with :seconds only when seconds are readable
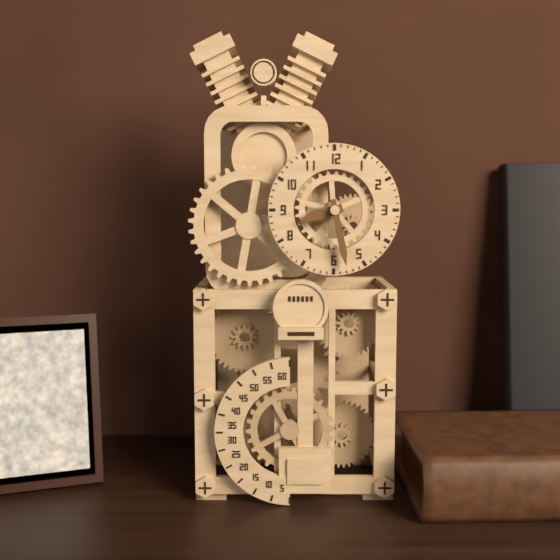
8:28
